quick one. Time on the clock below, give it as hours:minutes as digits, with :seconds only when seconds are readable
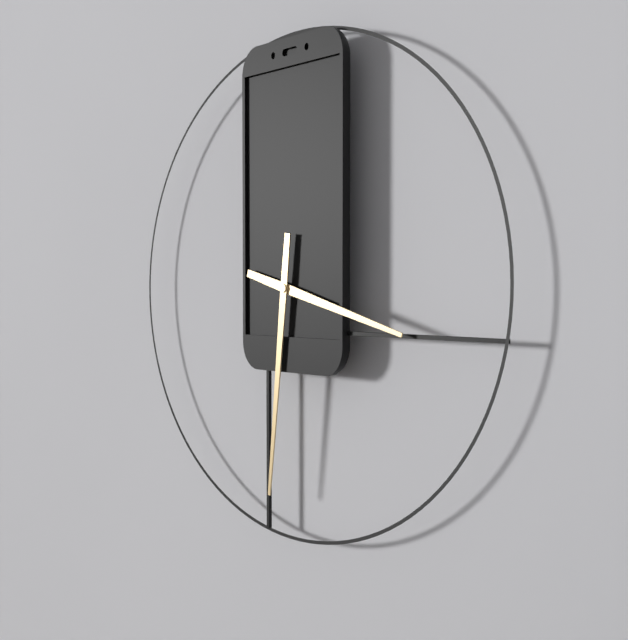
3:31
